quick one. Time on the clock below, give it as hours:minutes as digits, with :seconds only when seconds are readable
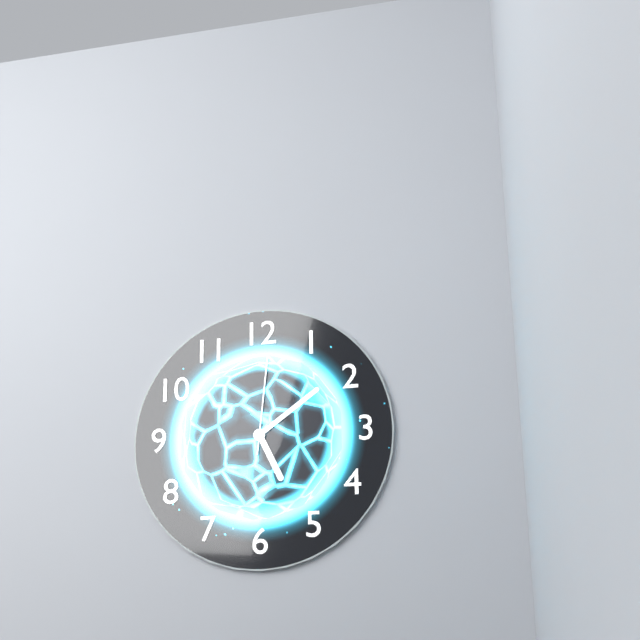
5:09:01
